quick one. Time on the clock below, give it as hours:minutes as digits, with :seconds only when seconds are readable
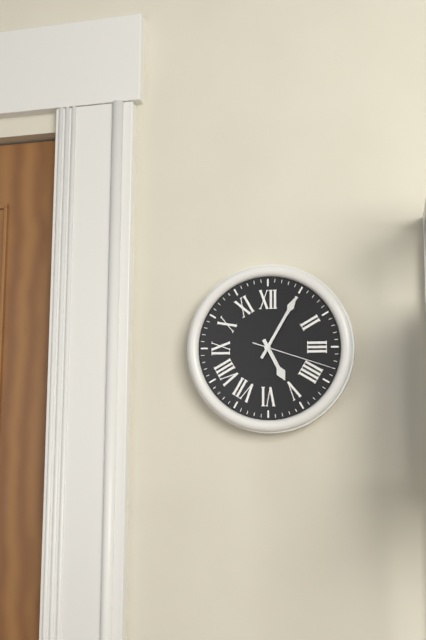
5:05:18
